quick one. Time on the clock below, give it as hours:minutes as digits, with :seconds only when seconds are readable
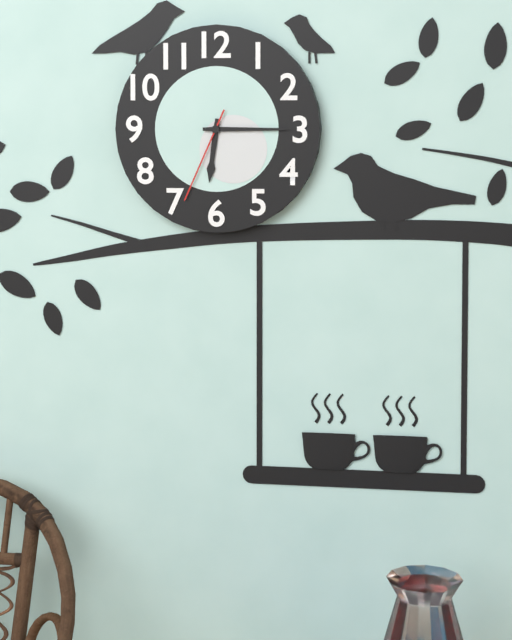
6:15:34
